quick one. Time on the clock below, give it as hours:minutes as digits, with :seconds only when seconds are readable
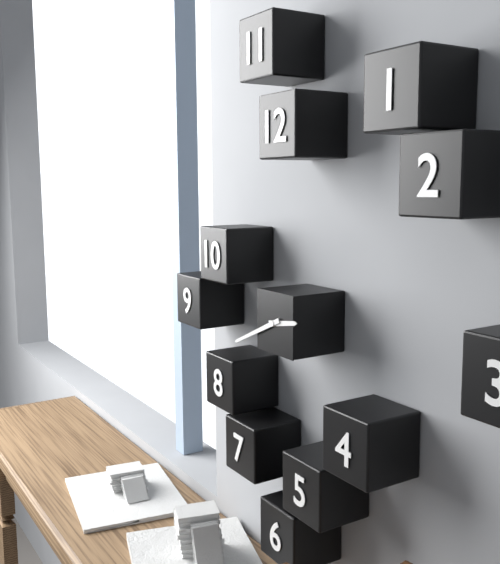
2:41
